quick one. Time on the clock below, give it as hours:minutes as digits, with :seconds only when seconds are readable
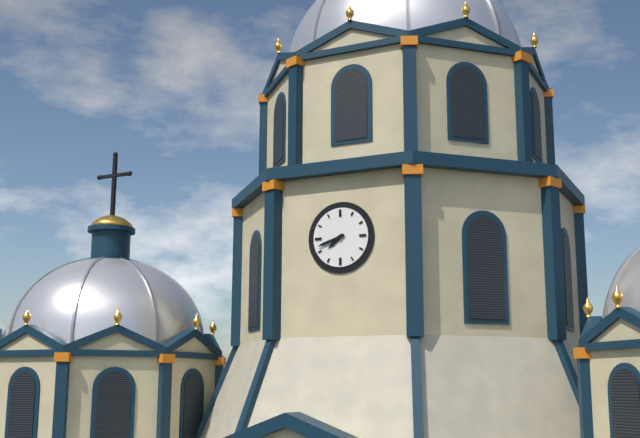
7:42
